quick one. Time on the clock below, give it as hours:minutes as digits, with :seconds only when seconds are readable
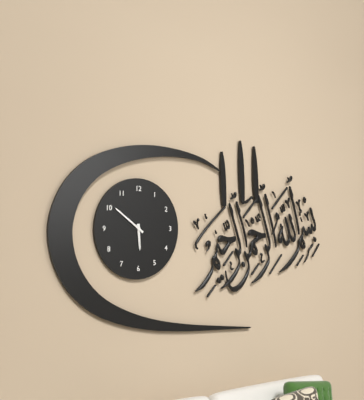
5:51
